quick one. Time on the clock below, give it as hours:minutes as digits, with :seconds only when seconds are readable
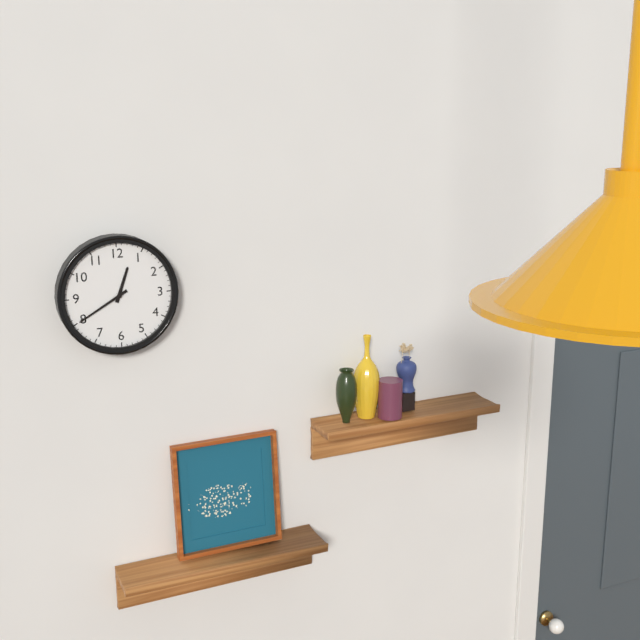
12:40
